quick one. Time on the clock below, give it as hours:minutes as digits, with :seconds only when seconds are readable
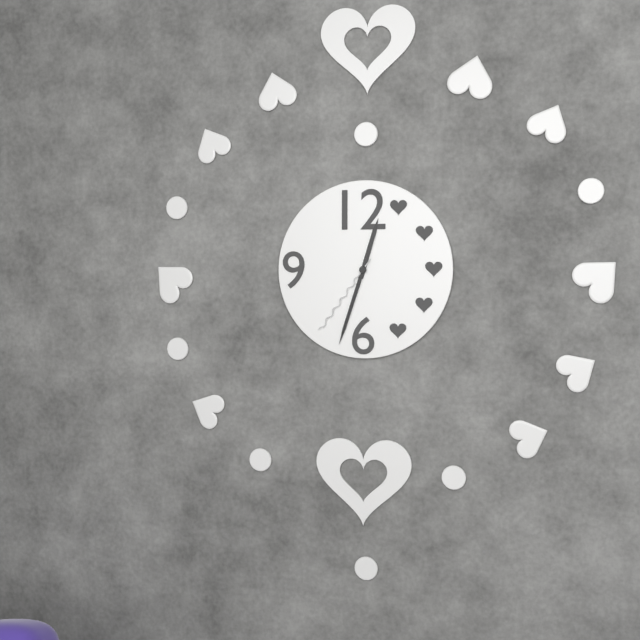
12:33:36
